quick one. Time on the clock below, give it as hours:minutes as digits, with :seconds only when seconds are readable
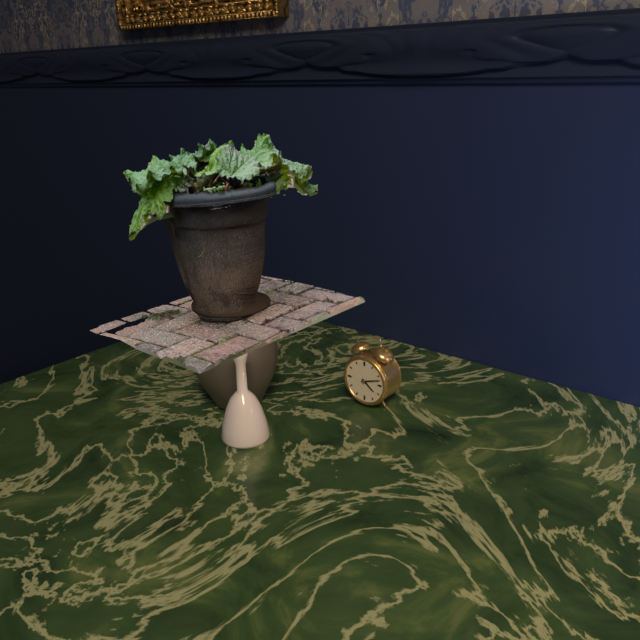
4:12
